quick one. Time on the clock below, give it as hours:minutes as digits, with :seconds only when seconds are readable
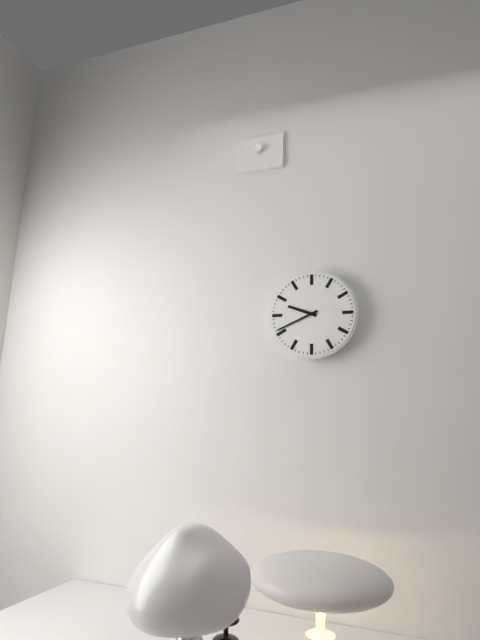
9:41
